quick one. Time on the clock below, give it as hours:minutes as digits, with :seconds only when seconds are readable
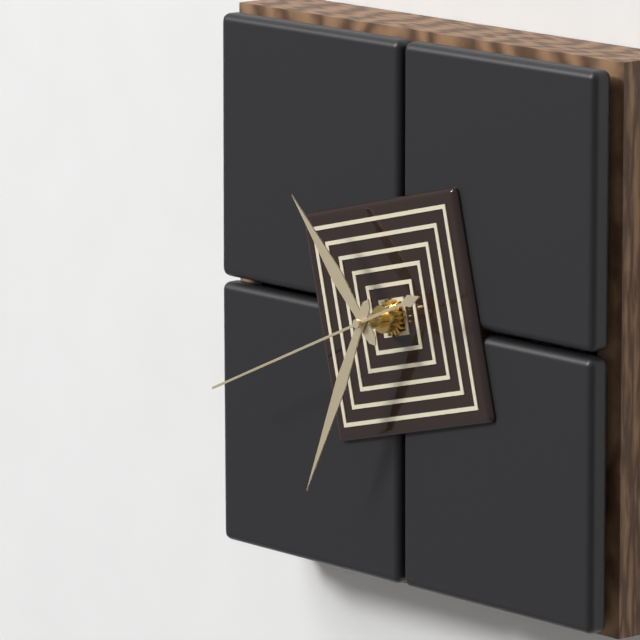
10:34:41
